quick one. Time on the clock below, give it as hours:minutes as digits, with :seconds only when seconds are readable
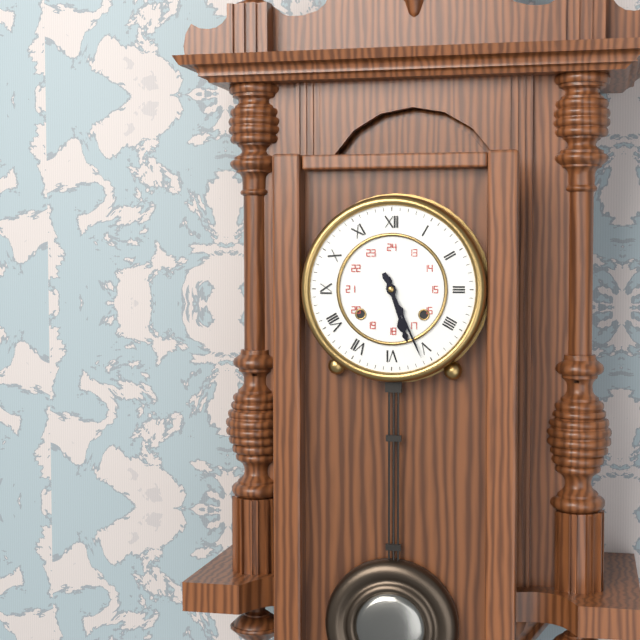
5:26
